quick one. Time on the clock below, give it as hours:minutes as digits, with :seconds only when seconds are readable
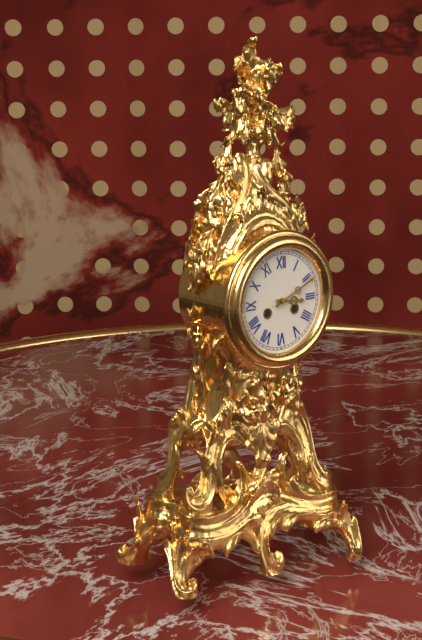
3:11
